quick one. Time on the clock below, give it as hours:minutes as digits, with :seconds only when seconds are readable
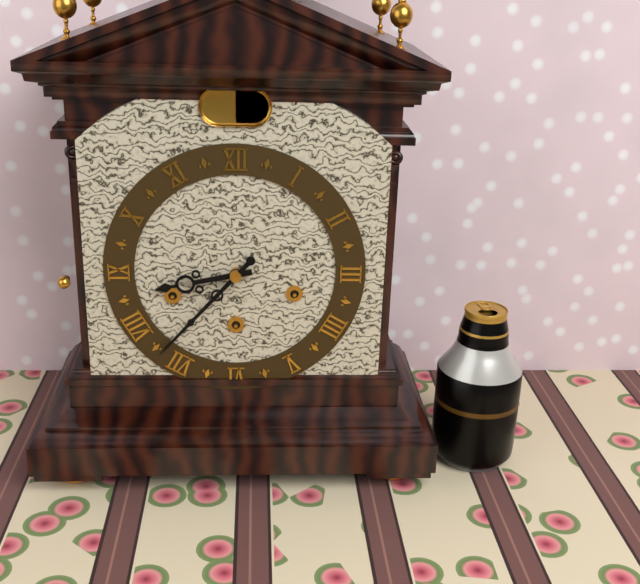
8:37
